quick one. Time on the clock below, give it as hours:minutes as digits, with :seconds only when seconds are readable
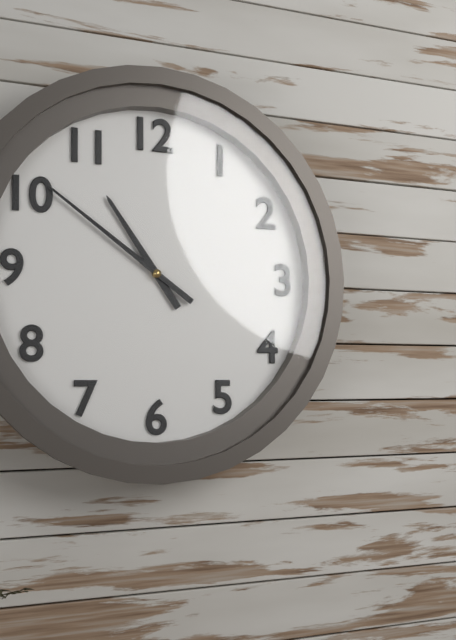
10:51
